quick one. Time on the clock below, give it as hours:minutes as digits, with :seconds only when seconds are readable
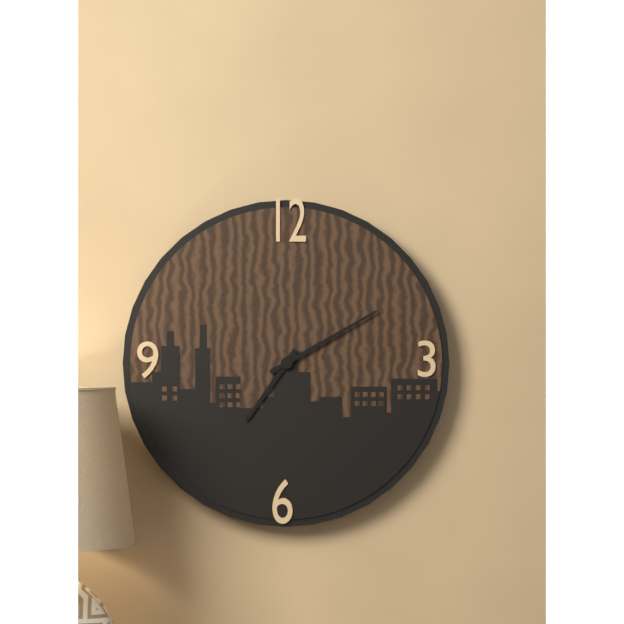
7:10
